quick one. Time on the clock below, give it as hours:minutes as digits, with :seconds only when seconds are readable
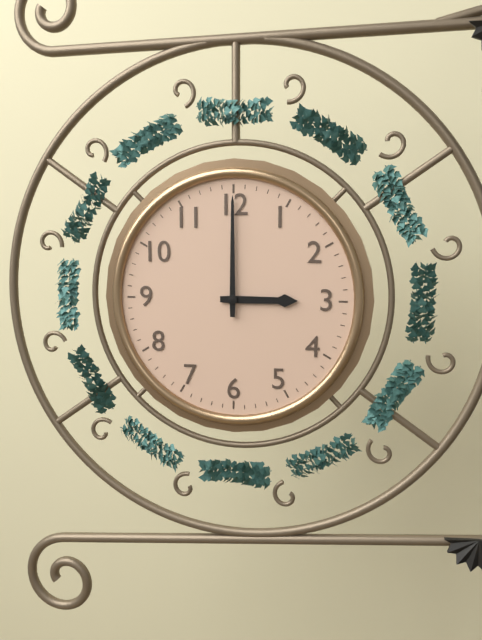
3:00
